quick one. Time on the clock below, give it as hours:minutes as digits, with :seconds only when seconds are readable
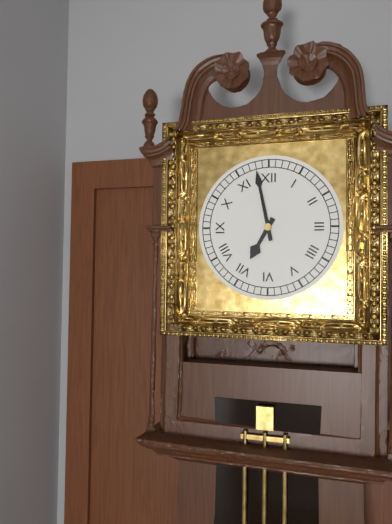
6:58
